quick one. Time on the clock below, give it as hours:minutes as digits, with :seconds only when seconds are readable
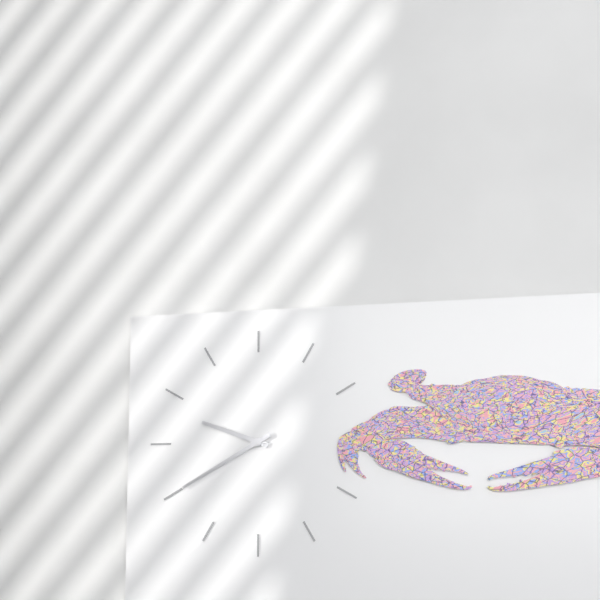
9:40
